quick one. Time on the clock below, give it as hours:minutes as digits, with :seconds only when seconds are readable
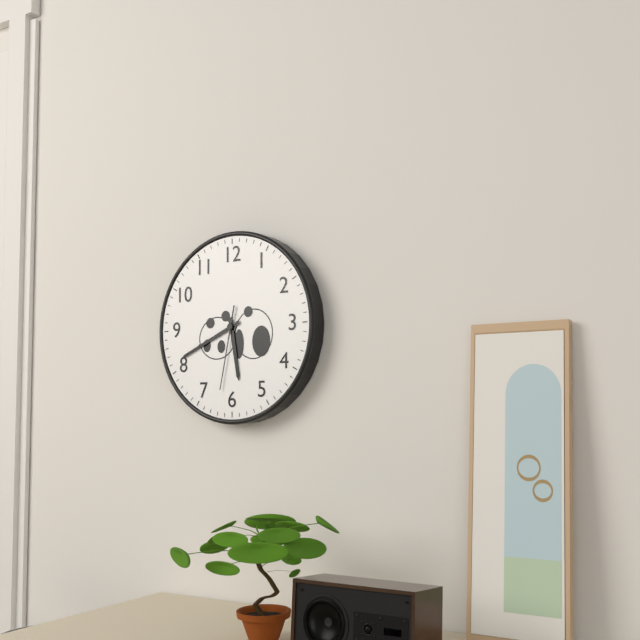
5:41:32
